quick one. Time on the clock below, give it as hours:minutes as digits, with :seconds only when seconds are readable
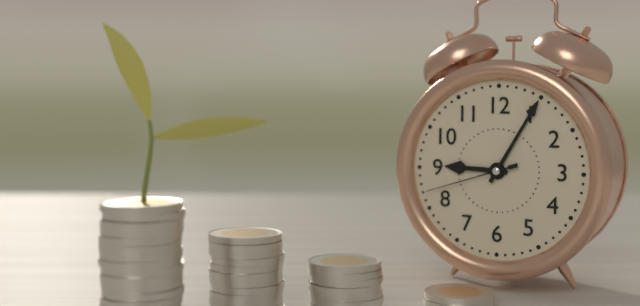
9:05:42
